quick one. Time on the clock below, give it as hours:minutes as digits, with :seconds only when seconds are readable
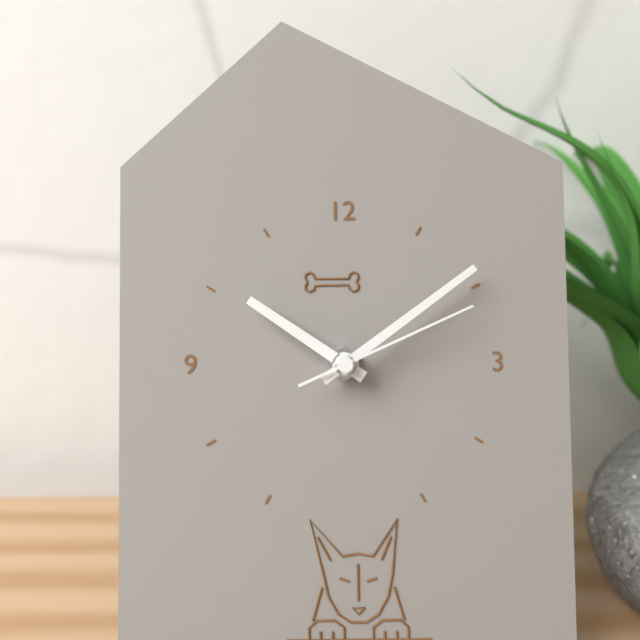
10:09:11
